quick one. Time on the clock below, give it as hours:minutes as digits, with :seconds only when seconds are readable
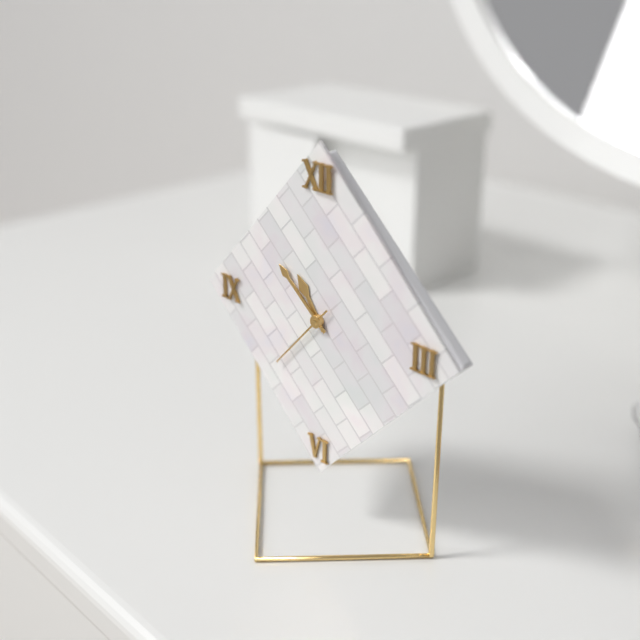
10:52:37
